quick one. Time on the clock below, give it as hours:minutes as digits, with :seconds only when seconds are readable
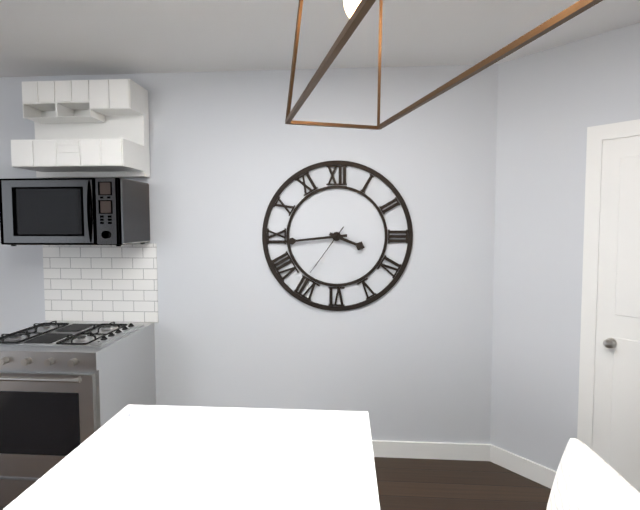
3:44:36
